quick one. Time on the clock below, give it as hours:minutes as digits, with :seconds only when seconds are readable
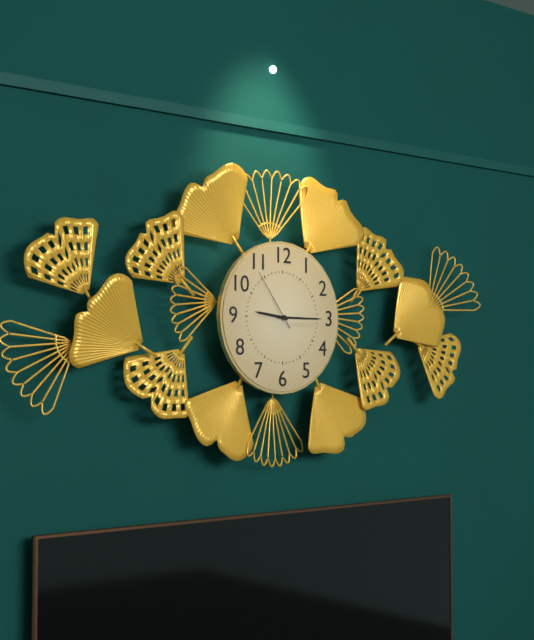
9:15:54
